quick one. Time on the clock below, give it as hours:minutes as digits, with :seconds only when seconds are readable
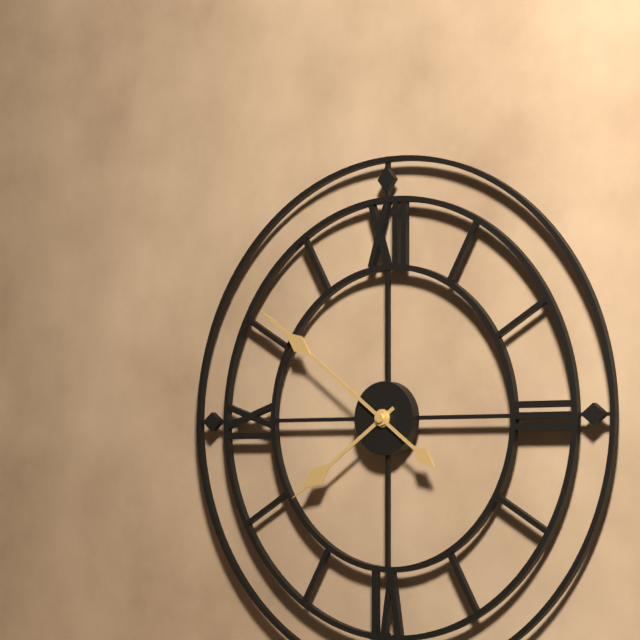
7:51
